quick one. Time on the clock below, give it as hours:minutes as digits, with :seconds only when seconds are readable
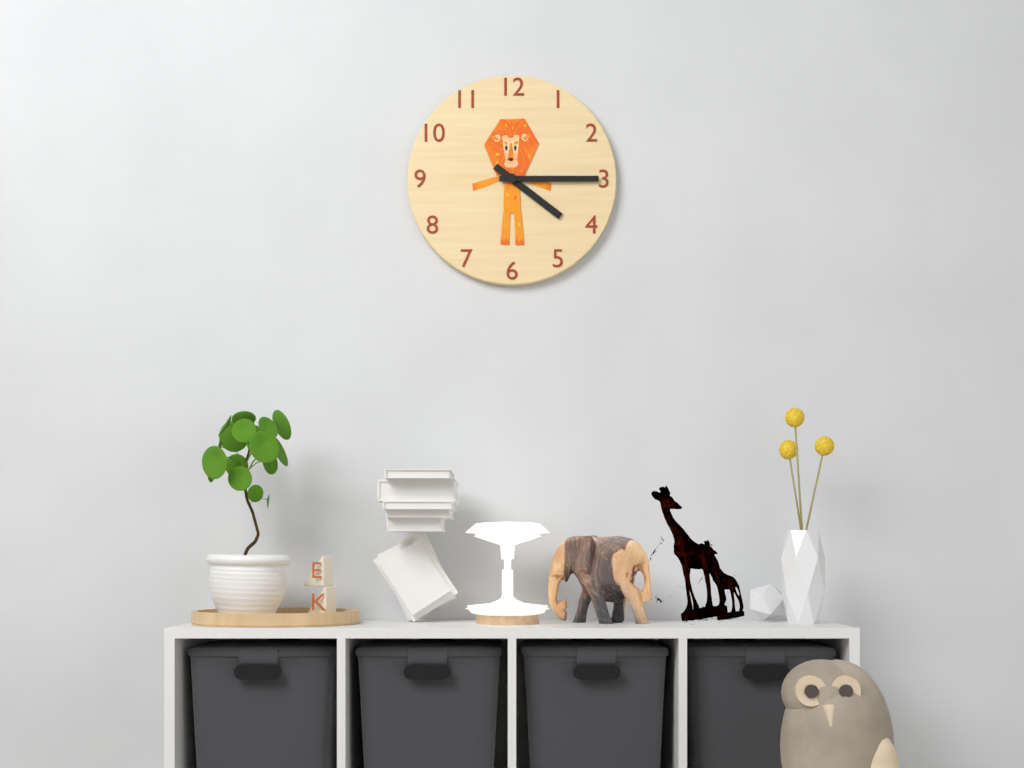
4:15
